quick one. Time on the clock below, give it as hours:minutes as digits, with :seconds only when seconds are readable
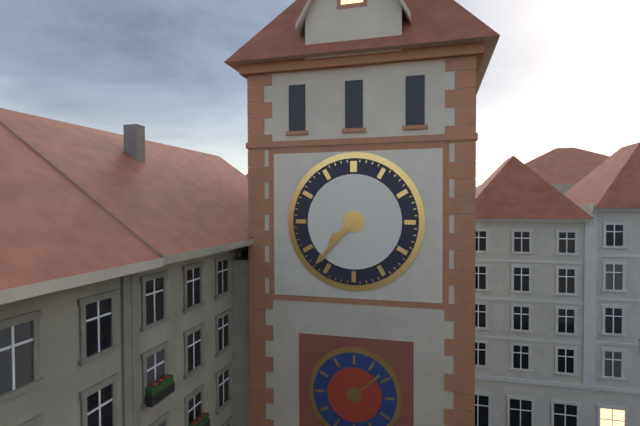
7:37
